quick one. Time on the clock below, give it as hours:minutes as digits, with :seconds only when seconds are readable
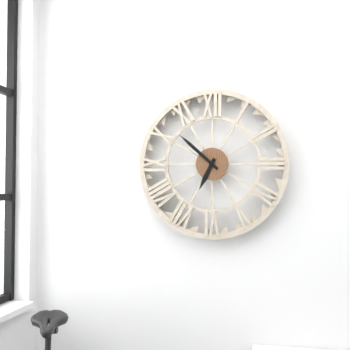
6:52
